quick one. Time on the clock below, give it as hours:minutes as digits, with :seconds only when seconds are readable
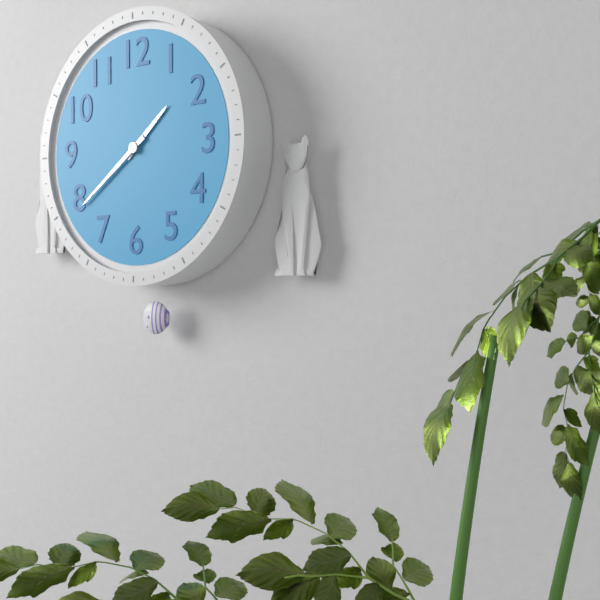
1:39
